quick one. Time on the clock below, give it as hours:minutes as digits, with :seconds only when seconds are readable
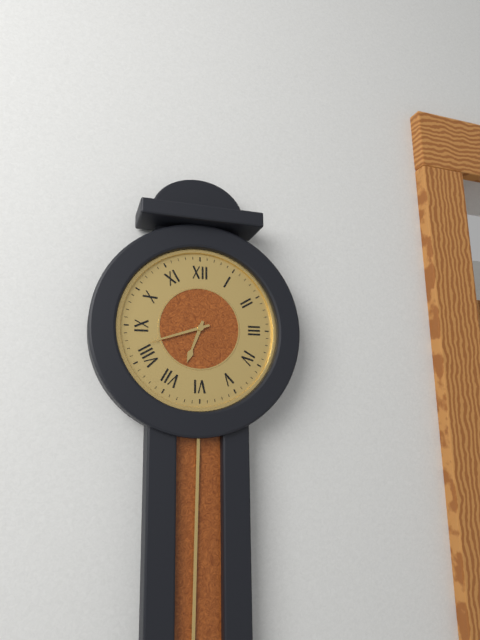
6:42
